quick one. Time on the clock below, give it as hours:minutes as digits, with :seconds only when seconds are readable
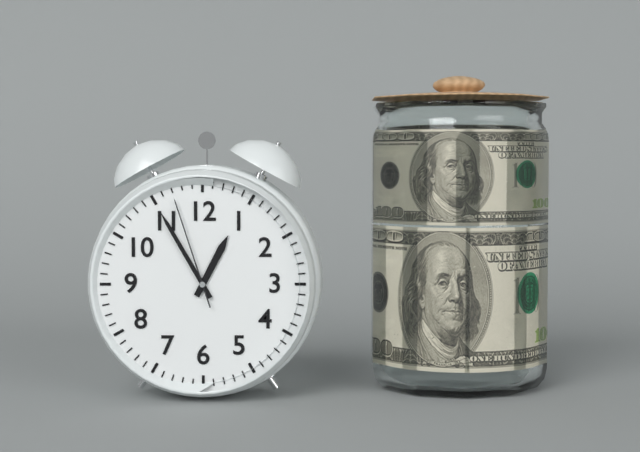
12:55:57
